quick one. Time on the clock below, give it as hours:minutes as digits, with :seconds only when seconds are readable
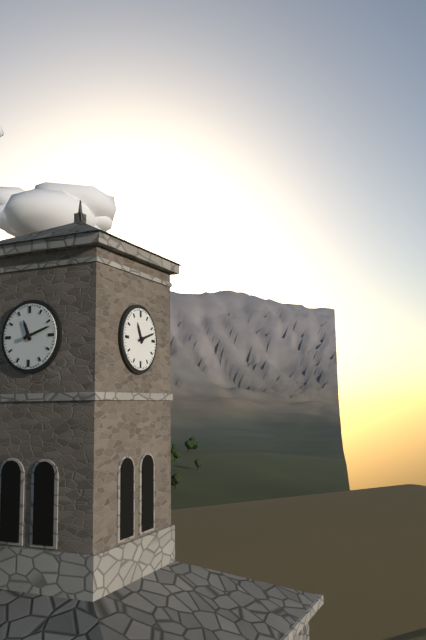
11:12
